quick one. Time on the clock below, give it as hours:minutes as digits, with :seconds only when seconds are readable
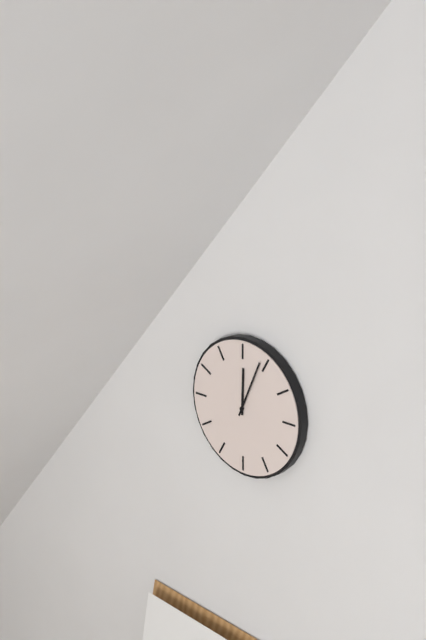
12:04
